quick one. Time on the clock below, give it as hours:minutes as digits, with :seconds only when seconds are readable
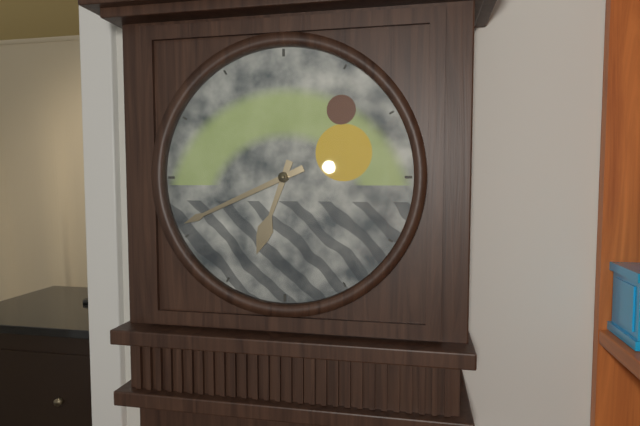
6:41
